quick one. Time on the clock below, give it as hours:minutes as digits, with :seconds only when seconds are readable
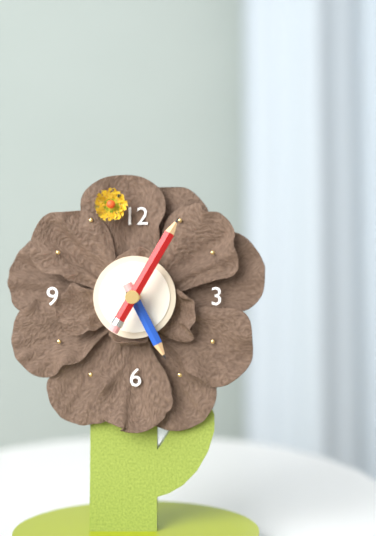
5:05
